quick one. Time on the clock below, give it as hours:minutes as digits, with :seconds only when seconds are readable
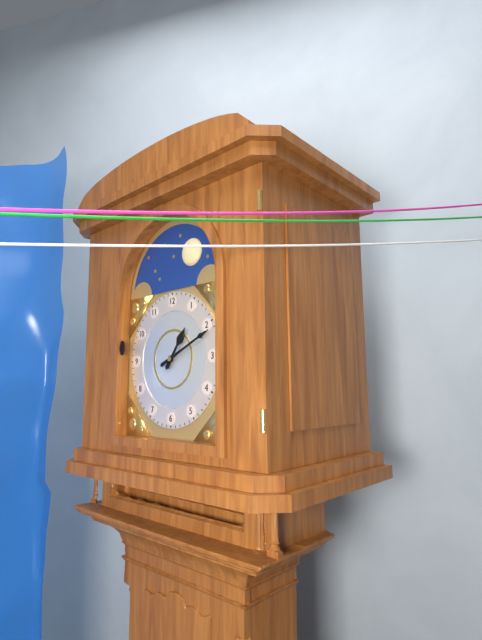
1:11
